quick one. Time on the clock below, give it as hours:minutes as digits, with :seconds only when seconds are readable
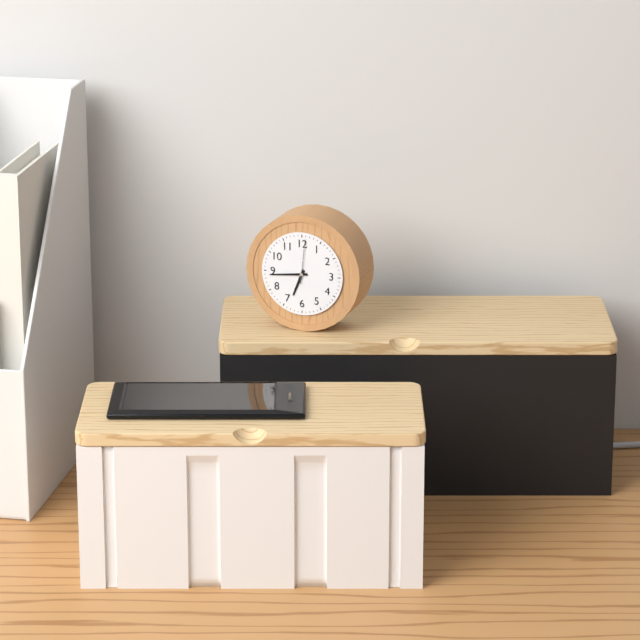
6:44
